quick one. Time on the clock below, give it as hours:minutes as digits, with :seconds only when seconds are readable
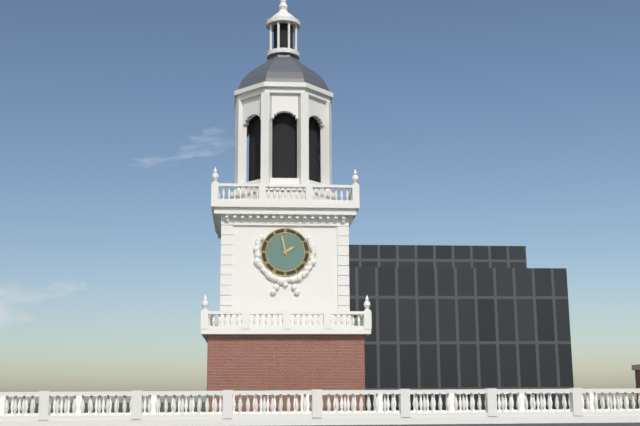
1:58
